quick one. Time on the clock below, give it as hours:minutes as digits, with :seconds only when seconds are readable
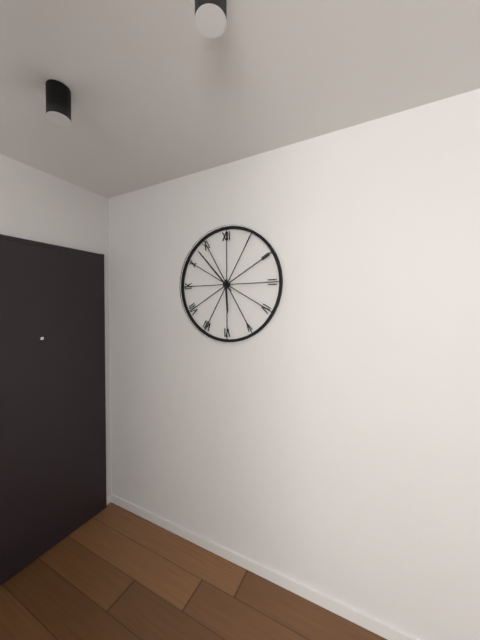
5:53
